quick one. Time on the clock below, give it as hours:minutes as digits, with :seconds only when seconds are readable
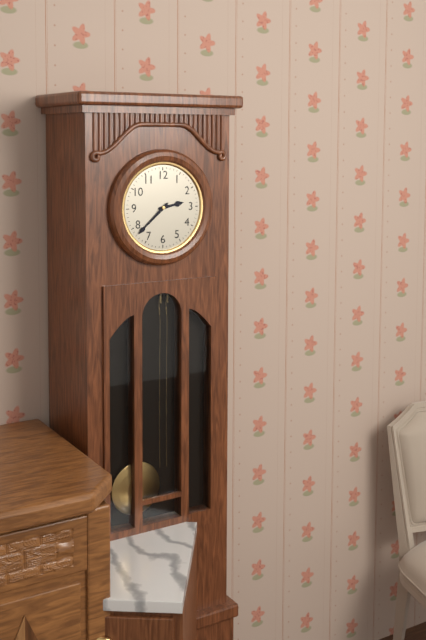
2:38
